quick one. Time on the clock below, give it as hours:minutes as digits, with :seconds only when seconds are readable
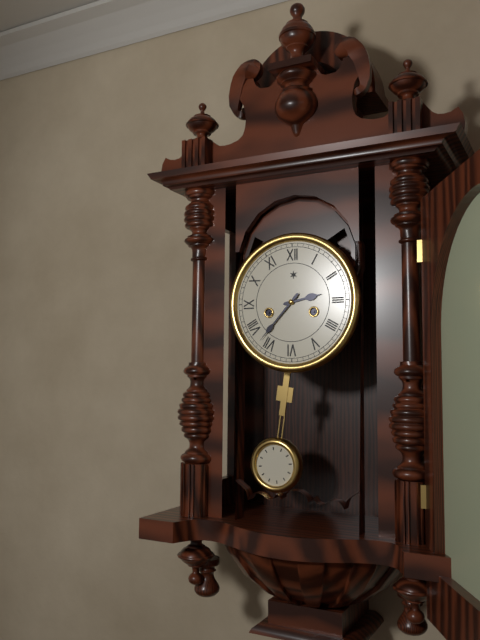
2:37
